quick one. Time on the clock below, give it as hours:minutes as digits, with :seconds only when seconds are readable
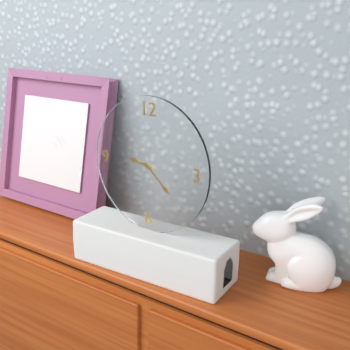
9:22
